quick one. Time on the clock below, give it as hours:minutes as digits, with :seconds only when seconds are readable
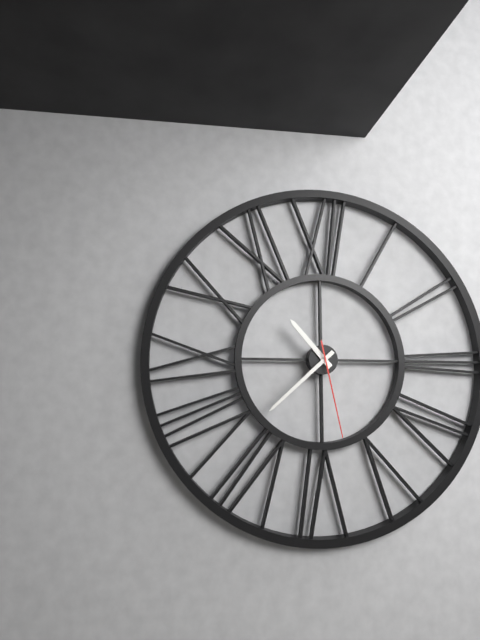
10:38:28
